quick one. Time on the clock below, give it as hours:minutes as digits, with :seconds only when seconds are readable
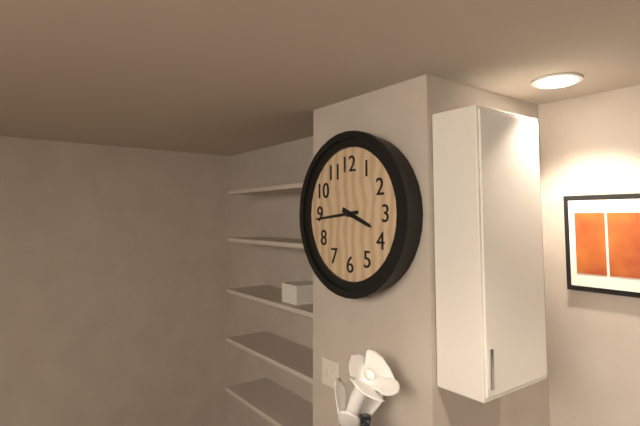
3:44
